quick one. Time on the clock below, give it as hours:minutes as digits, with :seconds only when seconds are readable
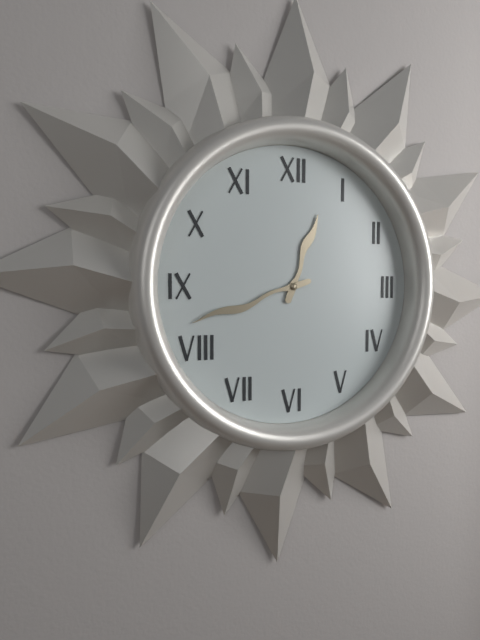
12:42
